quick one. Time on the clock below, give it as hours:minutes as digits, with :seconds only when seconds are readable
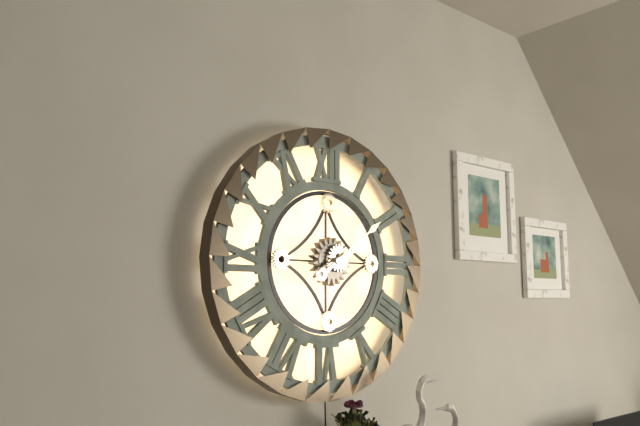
2:09
